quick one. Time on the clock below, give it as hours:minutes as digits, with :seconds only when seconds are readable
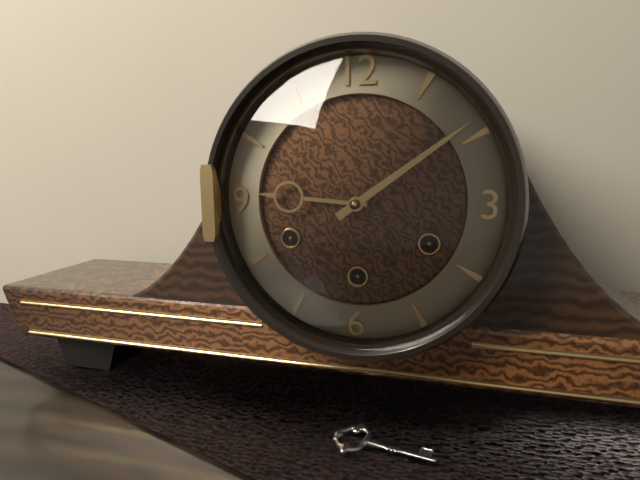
9:09
